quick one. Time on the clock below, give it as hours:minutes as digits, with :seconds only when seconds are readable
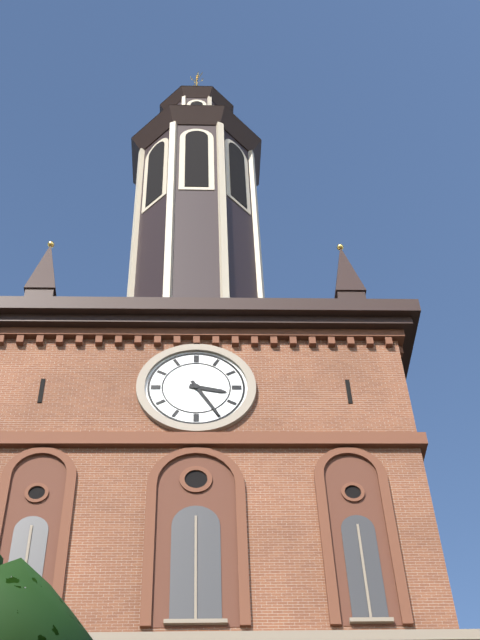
3:25
